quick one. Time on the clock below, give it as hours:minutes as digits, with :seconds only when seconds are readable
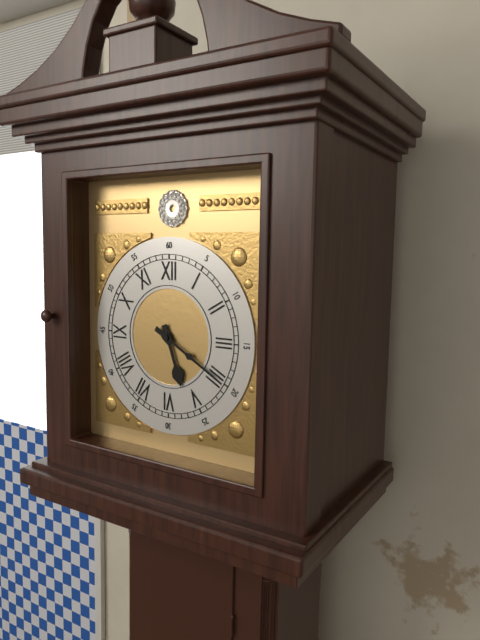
5:20
